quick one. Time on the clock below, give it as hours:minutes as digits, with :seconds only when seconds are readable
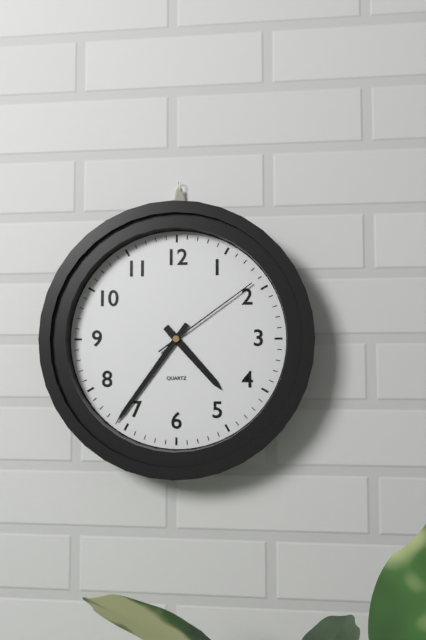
4:36:09
